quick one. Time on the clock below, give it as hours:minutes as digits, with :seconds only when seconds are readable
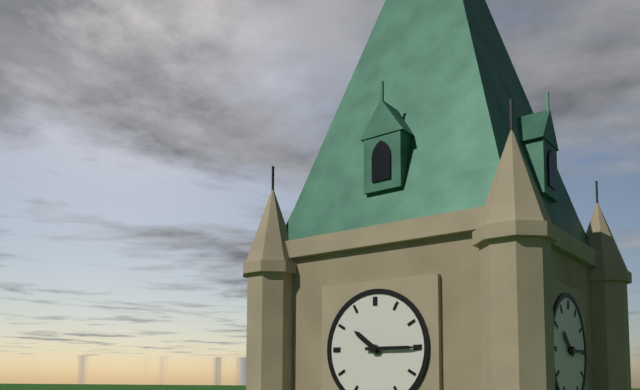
10:15
